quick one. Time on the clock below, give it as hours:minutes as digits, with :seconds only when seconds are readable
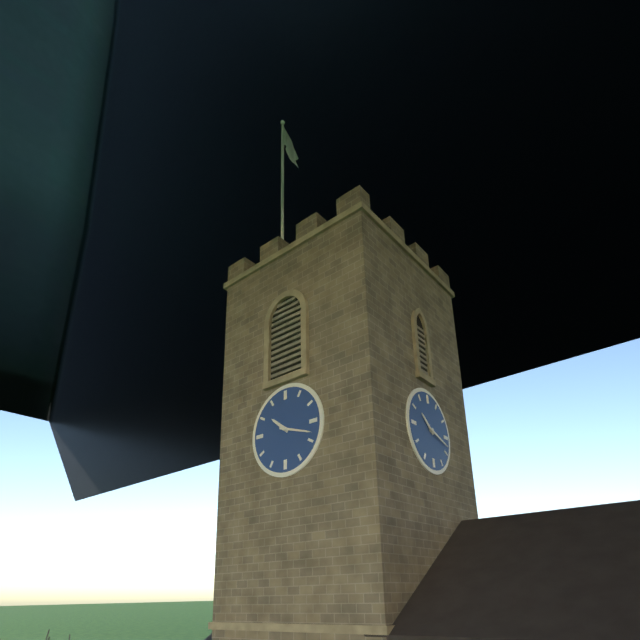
10:18
